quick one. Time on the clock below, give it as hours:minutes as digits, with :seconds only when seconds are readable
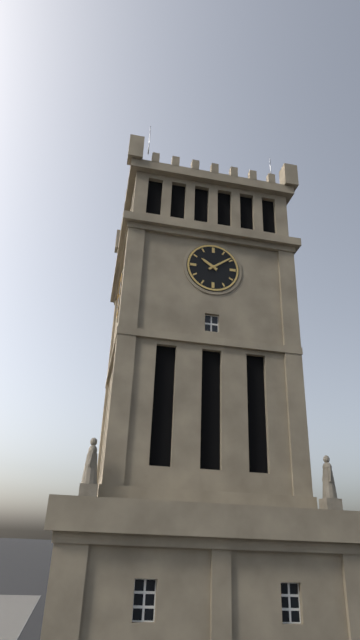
10:09
